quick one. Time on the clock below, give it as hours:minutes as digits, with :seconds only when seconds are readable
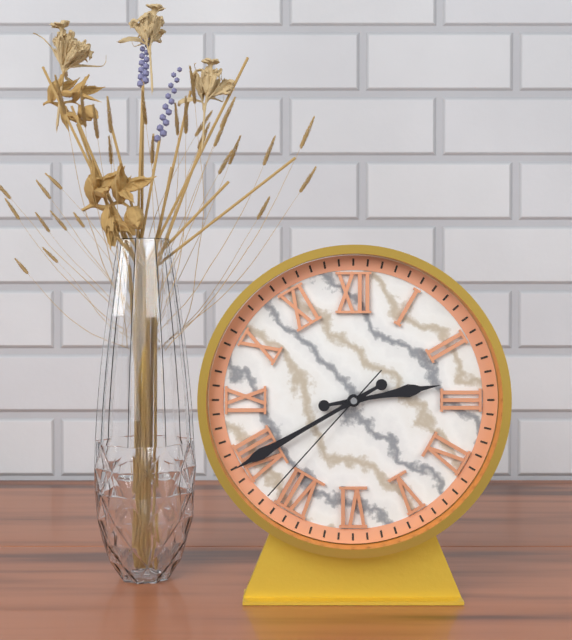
2:40:37
